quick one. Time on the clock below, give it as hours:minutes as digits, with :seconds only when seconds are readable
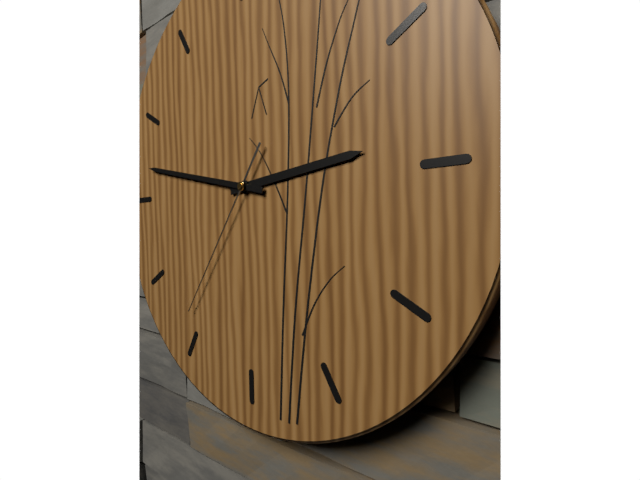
2:47:36
